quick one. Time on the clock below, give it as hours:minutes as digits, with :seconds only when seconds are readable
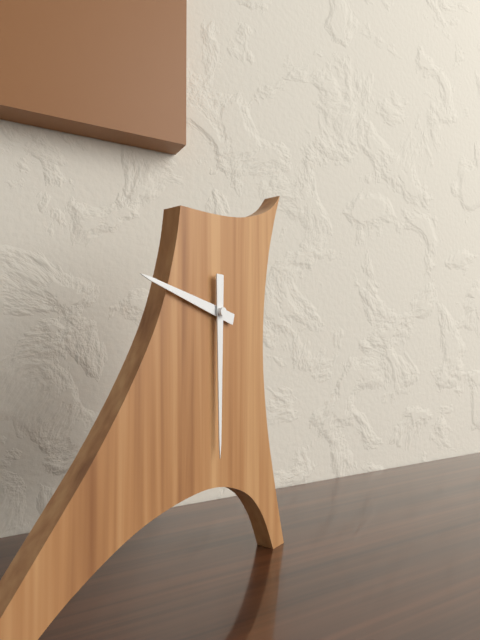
9:30
